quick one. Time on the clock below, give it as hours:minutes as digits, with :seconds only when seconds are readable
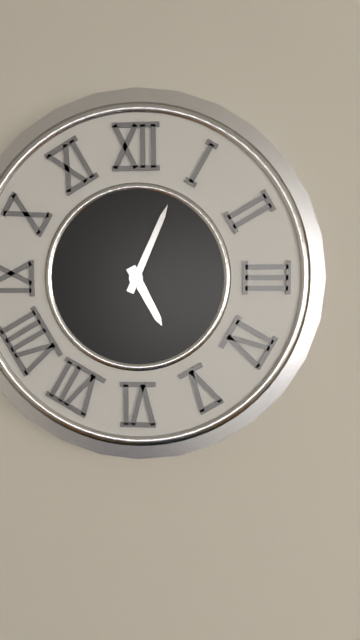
5:04
